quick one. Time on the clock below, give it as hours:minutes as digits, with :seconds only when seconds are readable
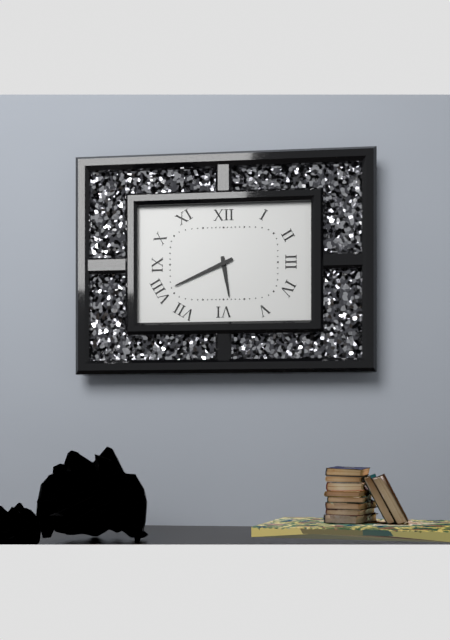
5:41
